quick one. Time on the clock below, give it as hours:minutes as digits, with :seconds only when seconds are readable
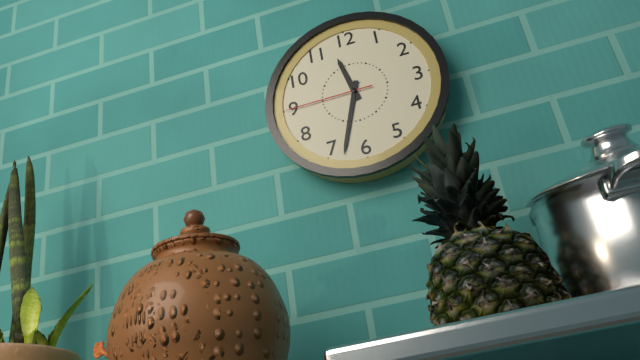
11:33:45
